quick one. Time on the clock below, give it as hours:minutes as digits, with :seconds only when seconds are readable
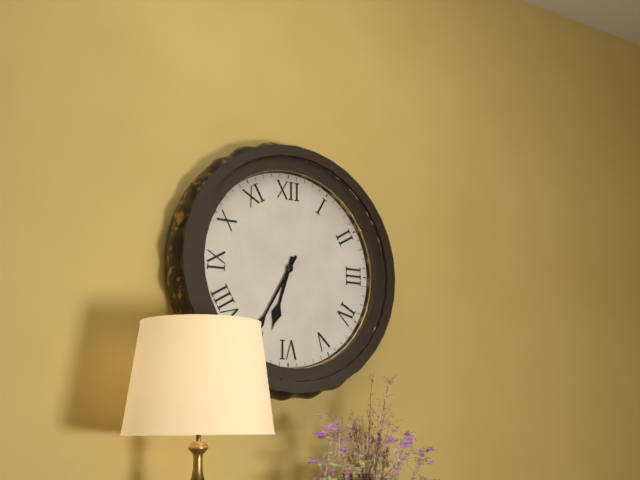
6:35
